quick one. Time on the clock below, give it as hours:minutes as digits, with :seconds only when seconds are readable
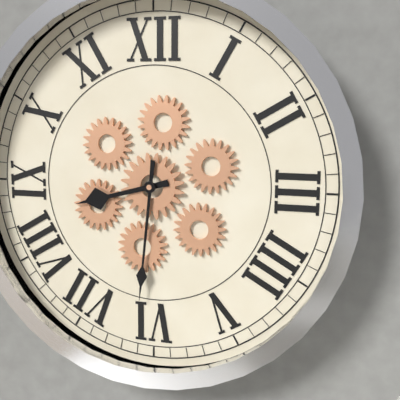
8:31
